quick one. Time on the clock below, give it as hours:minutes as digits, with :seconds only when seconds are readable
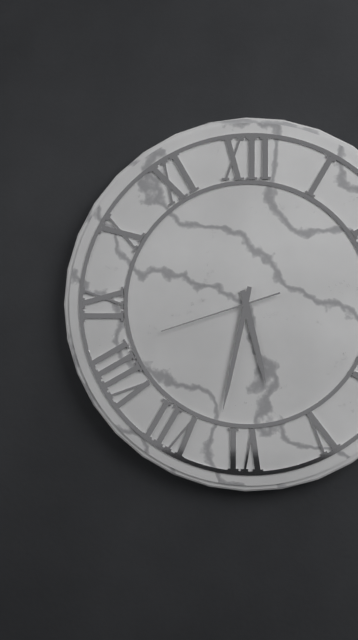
5:32:42
